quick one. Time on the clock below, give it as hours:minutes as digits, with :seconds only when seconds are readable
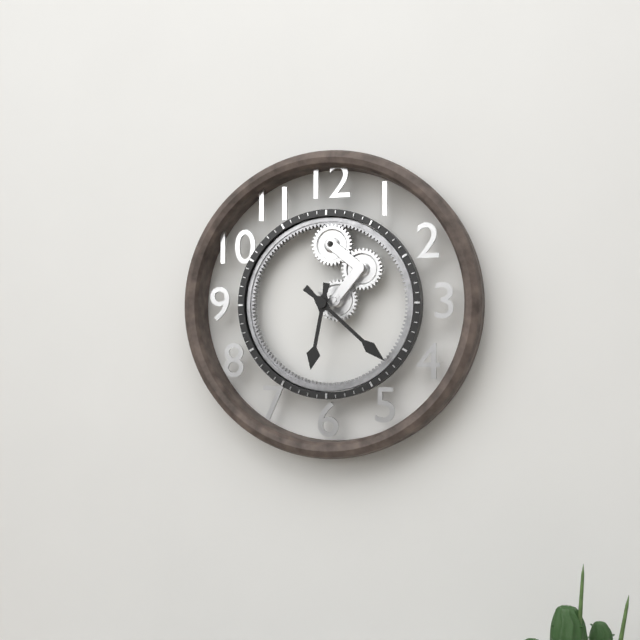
6:22
